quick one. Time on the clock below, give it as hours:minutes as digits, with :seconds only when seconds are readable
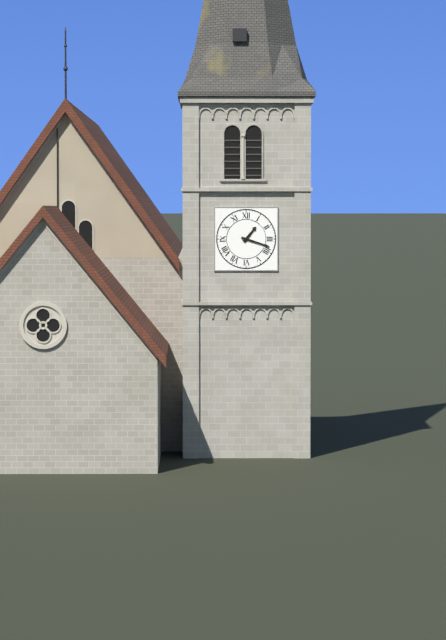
1:18
